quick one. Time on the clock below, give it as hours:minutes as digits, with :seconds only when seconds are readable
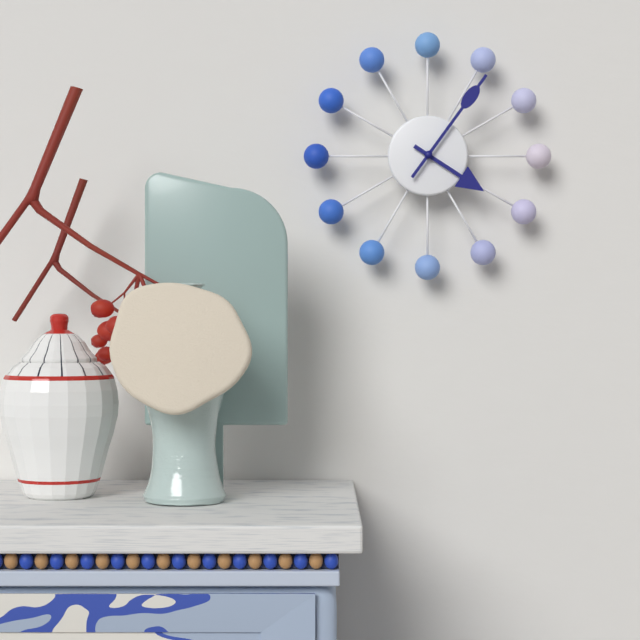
4:06
